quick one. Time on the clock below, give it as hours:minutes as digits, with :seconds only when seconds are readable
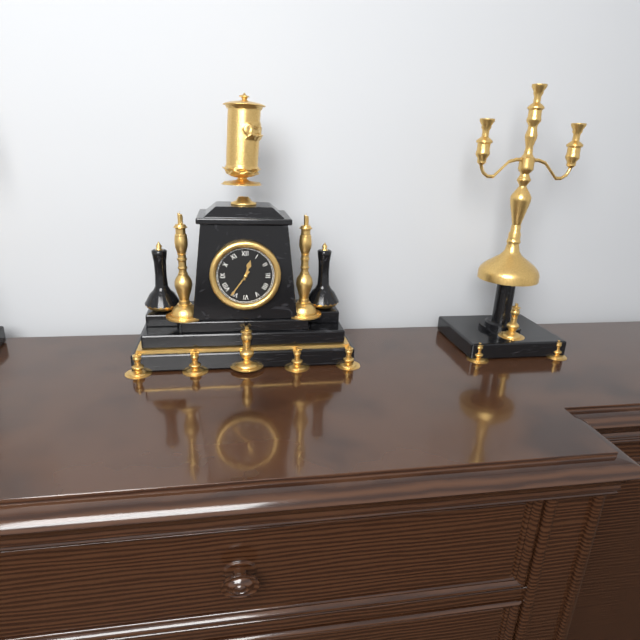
12:36
